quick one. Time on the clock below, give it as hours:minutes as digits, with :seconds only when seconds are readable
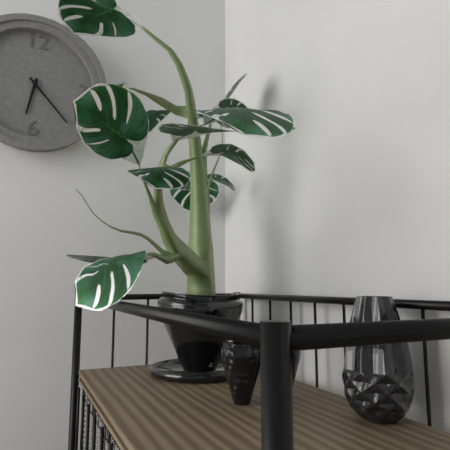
6:23
